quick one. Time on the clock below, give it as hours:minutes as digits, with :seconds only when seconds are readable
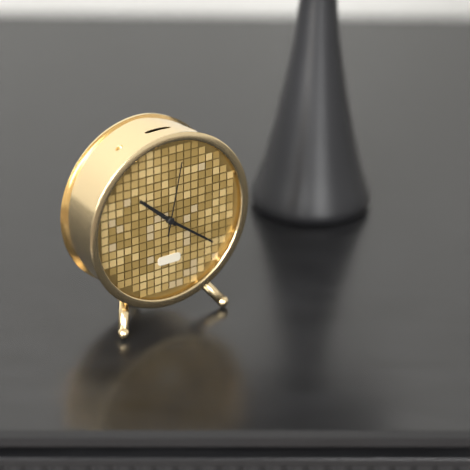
10:21:02
